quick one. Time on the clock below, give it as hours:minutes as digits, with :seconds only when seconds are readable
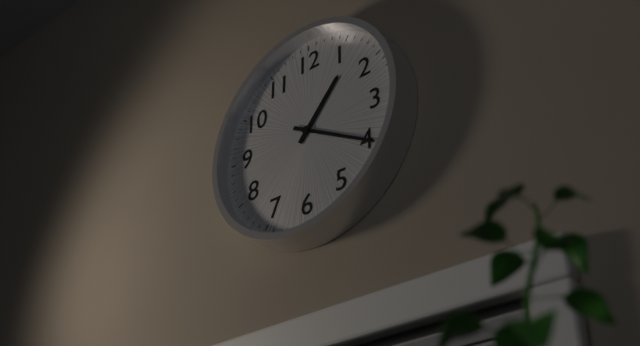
1:20
